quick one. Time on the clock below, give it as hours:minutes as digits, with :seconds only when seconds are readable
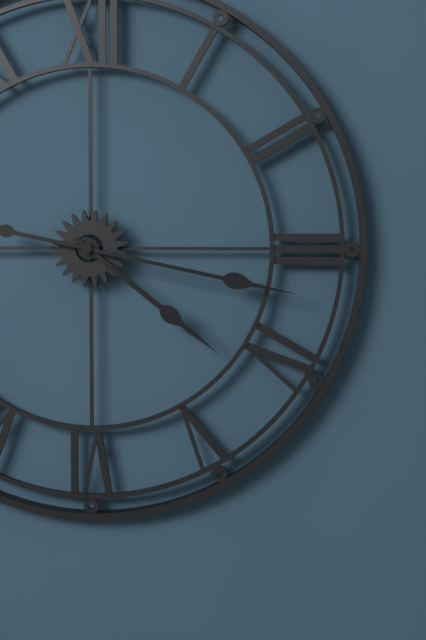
4:17
